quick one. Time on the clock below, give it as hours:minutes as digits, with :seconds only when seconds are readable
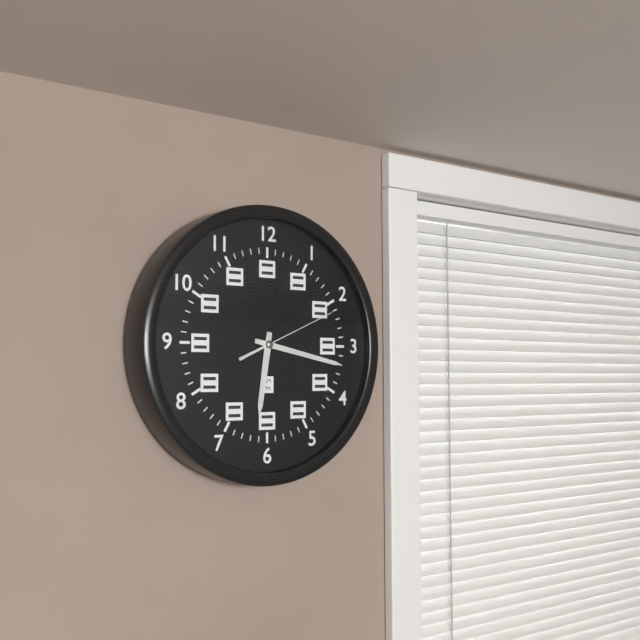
6:17:11
